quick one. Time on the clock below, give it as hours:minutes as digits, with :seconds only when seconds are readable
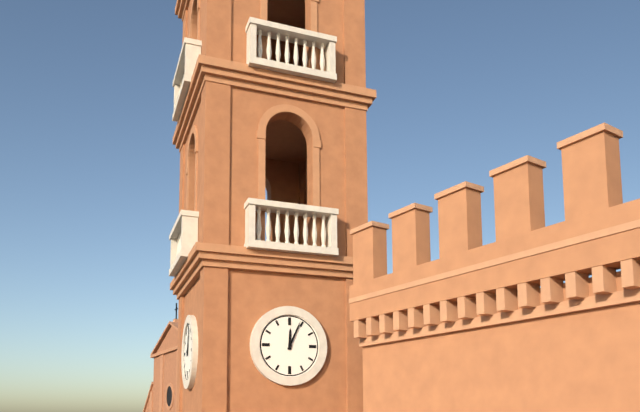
12:04
